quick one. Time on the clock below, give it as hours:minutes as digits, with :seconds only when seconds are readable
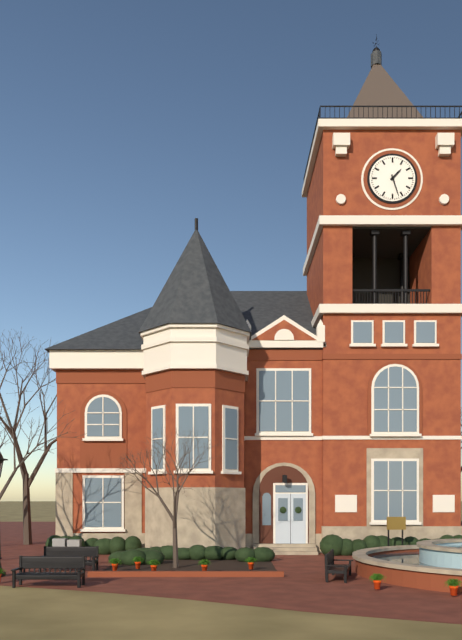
1:27
